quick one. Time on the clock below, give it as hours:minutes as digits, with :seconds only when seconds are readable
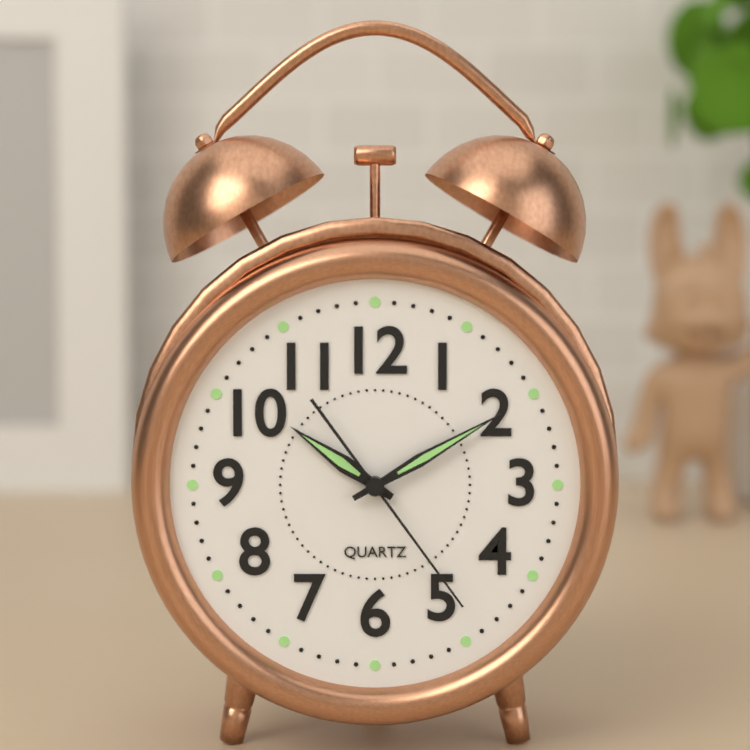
10:10:24
